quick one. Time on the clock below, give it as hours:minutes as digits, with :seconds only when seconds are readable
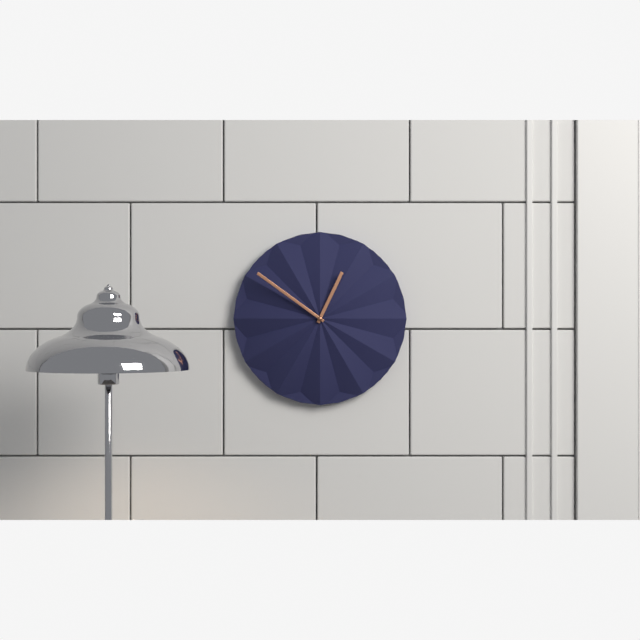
12:51
